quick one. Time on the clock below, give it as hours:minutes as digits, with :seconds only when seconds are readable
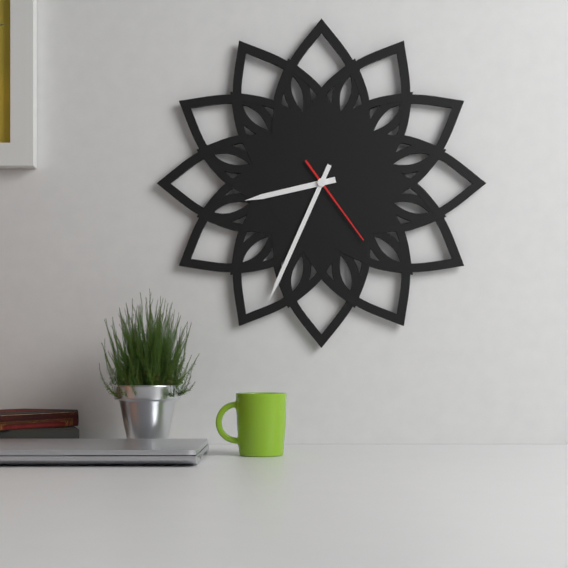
8:34:24
